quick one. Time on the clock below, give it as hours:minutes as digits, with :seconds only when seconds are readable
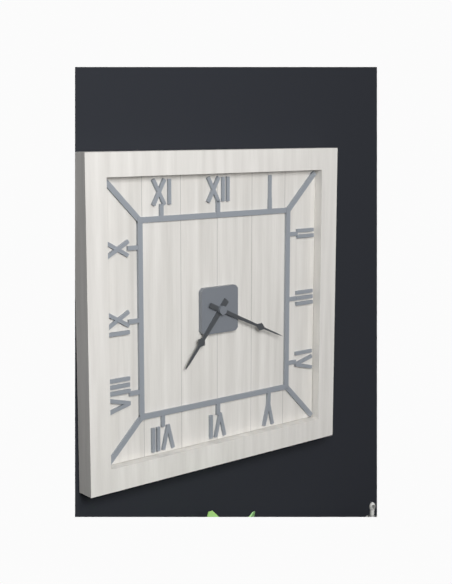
7:19
